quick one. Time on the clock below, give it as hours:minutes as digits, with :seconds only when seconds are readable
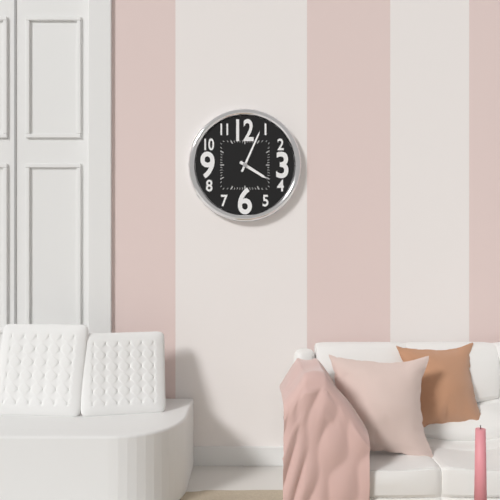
4:04
